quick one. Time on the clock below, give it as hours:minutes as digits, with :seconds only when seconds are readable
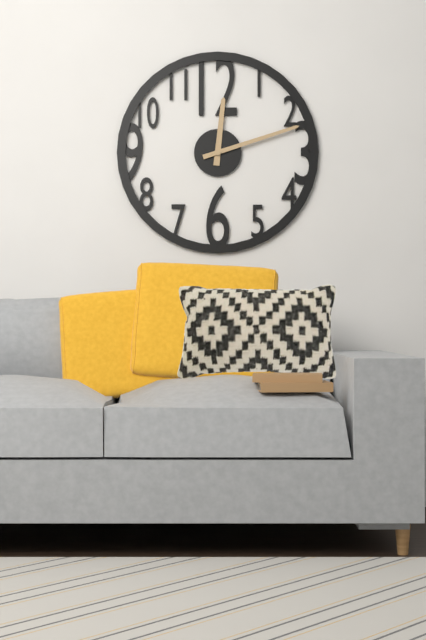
12:12
